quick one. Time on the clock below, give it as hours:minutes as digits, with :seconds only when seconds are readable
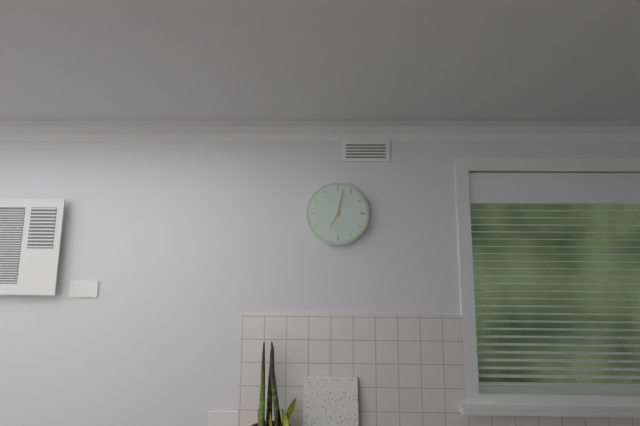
7:02
